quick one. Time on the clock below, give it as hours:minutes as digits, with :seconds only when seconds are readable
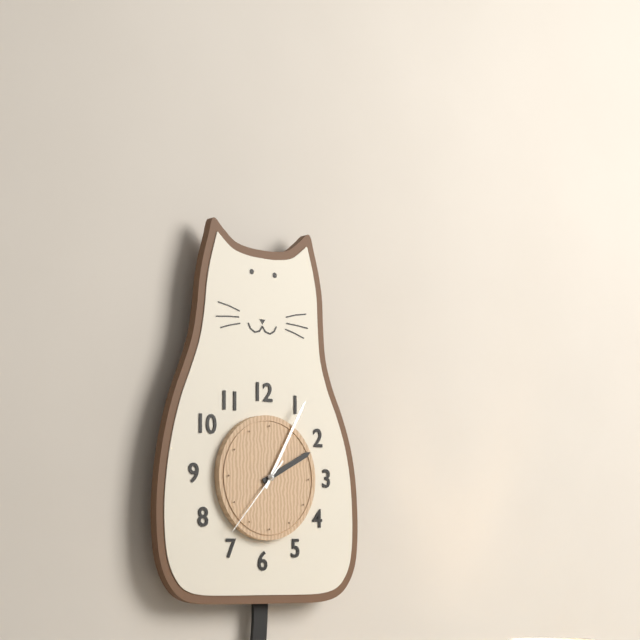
2:05:37
